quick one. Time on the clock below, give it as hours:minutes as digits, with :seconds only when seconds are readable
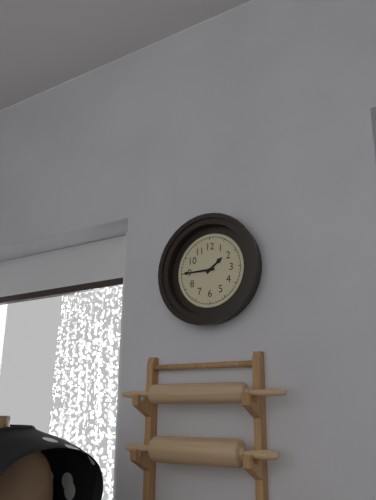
1:45
